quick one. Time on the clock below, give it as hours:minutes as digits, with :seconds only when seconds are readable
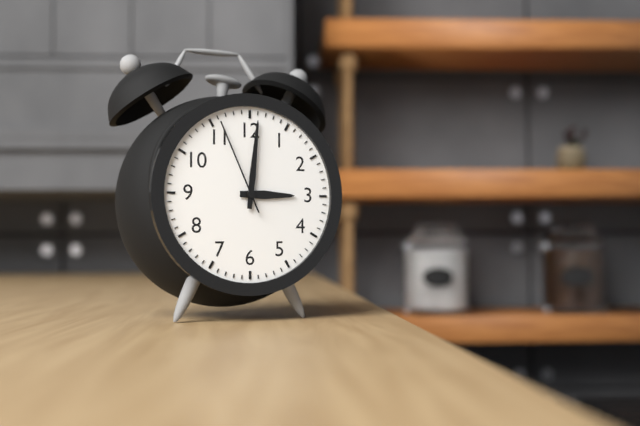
3:01:56
